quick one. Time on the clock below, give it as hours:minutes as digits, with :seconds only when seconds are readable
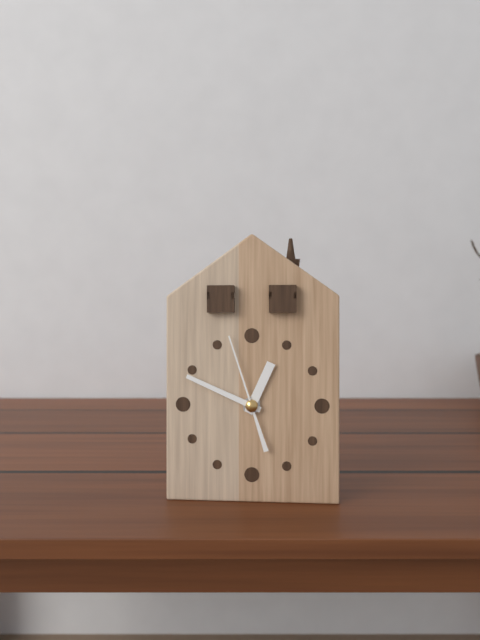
12:49:57
